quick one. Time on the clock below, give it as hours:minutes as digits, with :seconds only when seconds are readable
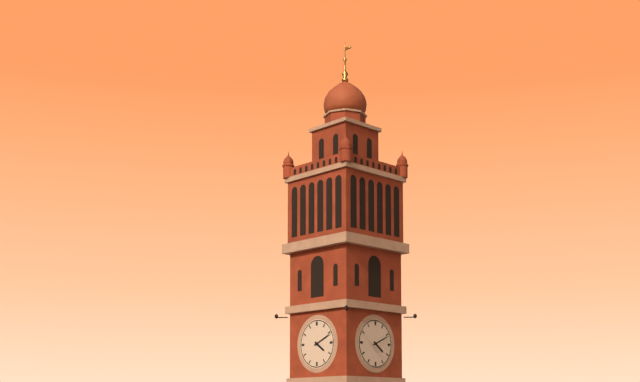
4:11
